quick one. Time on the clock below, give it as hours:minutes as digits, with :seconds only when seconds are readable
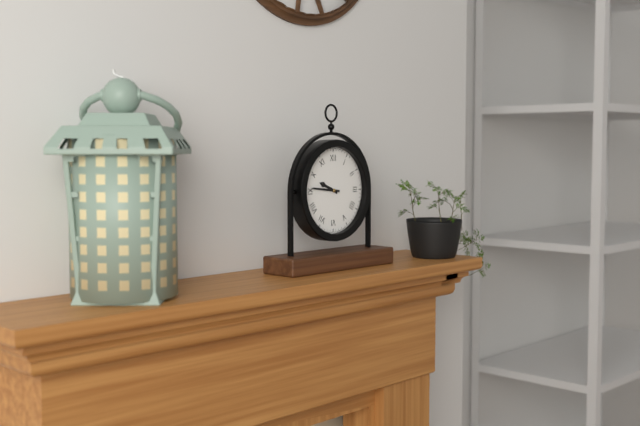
9:46
